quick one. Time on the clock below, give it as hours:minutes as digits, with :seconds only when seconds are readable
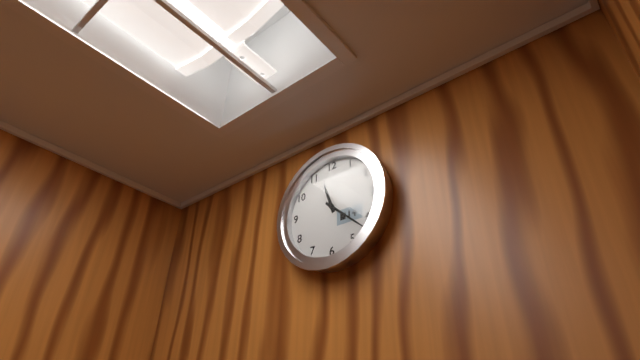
11:22
